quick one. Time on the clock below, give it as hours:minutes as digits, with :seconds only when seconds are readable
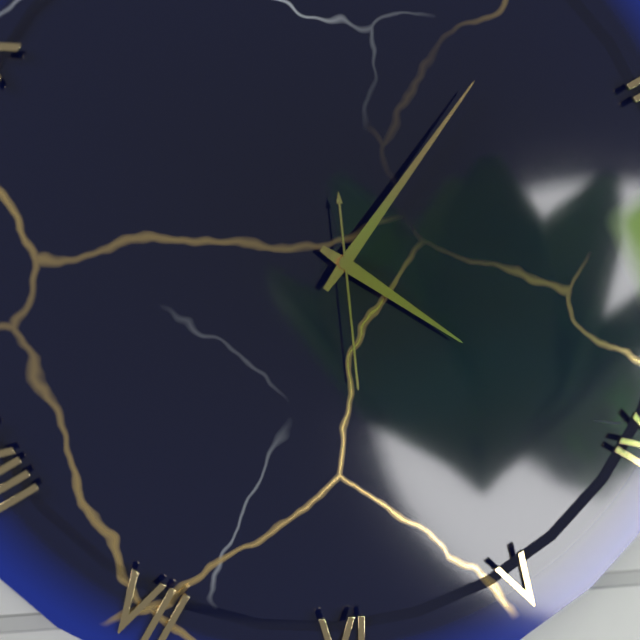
4:06:29
